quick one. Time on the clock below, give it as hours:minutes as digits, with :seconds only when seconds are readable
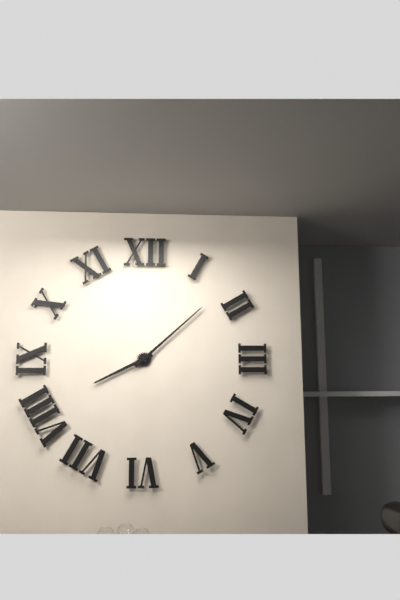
8:08
